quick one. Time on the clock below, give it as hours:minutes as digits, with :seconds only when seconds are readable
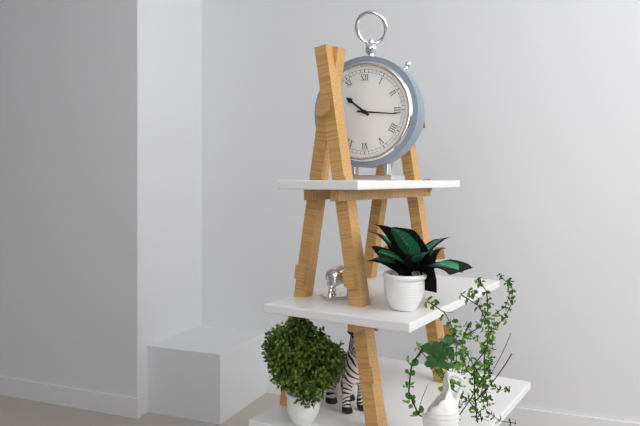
10:16
